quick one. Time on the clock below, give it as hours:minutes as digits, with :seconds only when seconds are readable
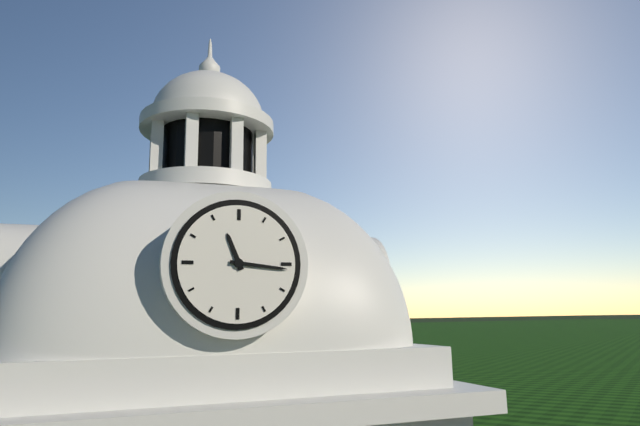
11:16
